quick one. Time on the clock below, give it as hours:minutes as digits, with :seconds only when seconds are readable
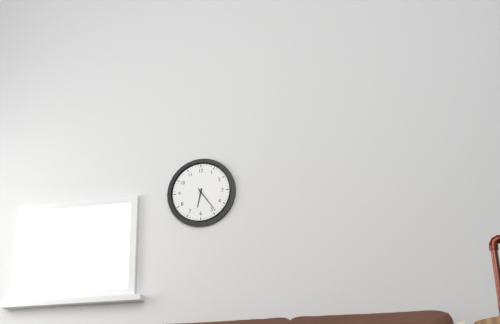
6:24
